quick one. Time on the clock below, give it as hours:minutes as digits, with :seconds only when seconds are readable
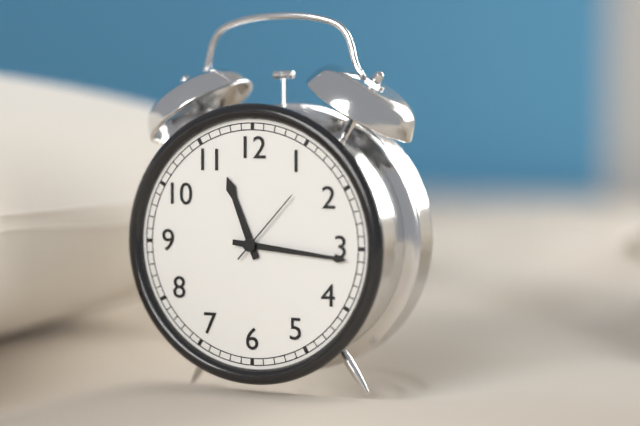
11:16:07
